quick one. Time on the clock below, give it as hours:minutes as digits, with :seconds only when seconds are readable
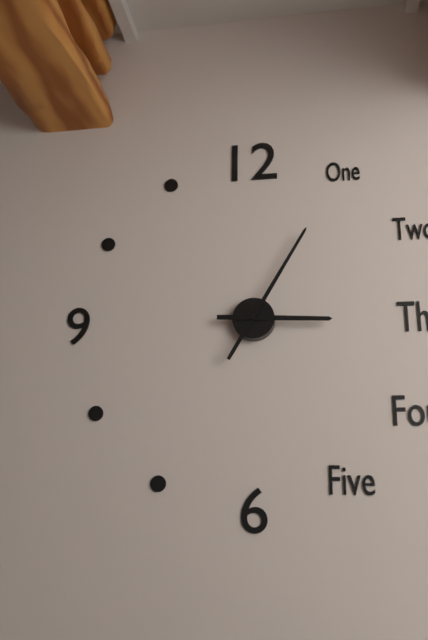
3:05
